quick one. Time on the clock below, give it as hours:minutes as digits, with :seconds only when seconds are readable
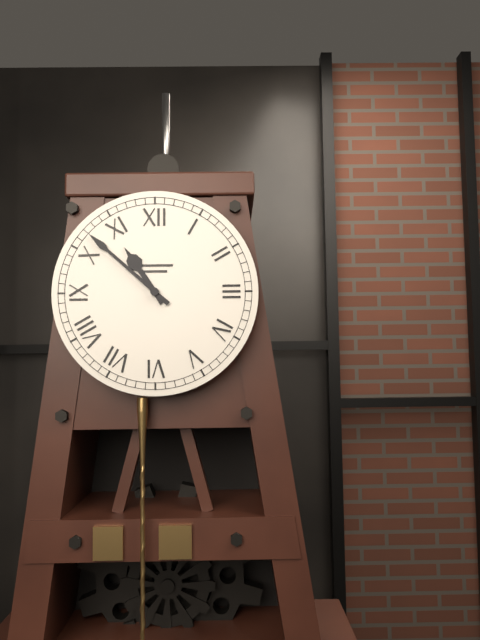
10:52
